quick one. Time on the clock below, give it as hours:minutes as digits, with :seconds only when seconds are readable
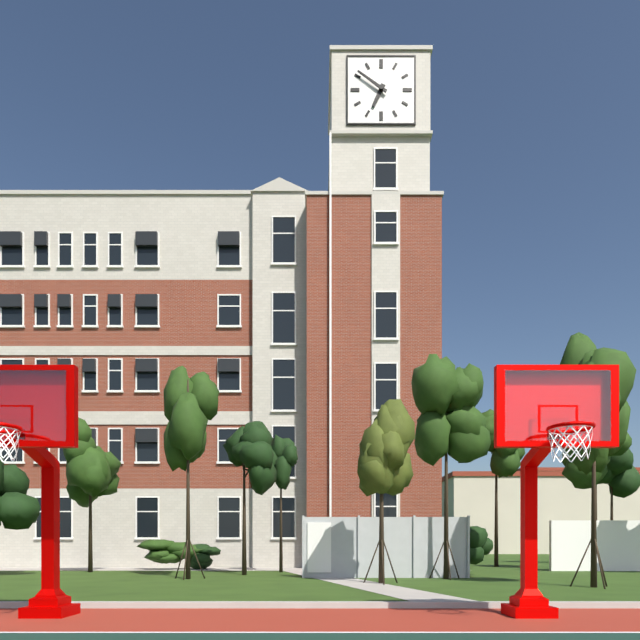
6:51
